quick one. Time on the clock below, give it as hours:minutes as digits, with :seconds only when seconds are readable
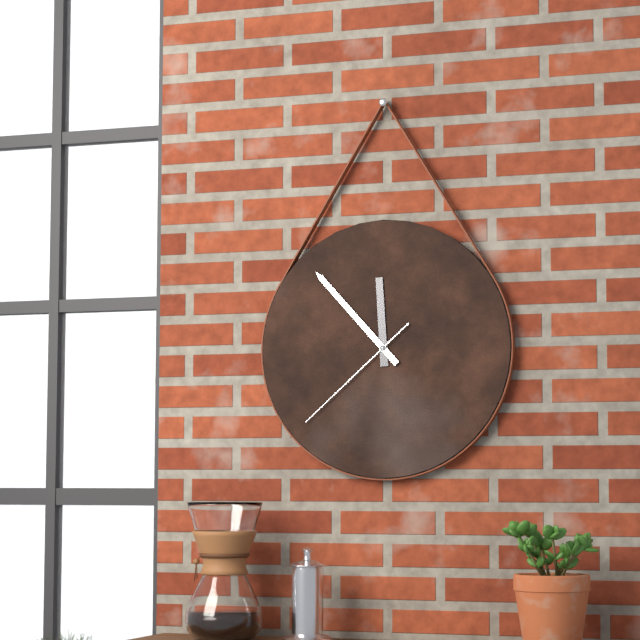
11:53:38
